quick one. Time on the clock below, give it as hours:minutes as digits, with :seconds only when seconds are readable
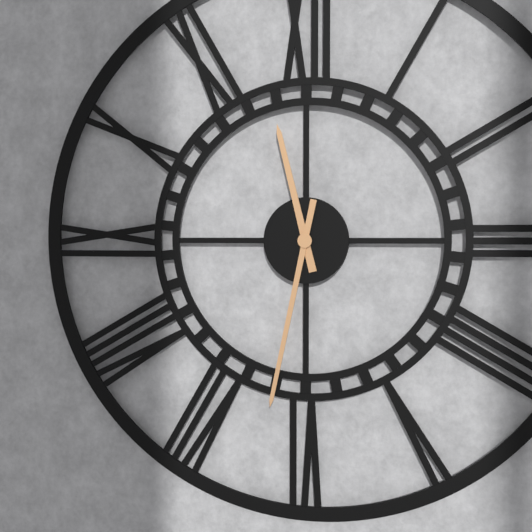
11:32
